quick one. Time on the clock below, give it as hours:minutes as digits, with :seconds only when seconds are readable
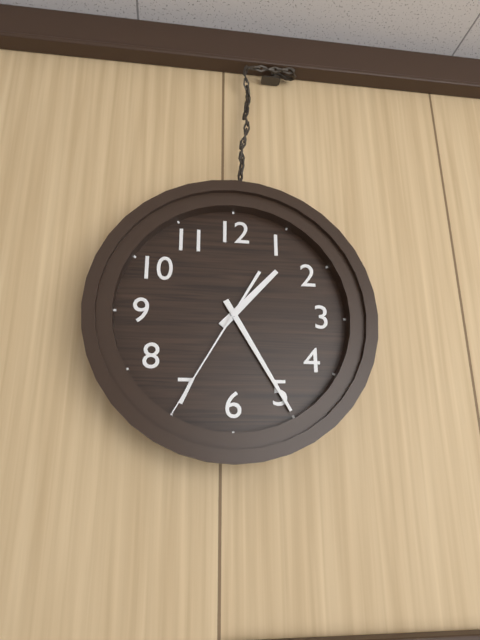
1:25:35
